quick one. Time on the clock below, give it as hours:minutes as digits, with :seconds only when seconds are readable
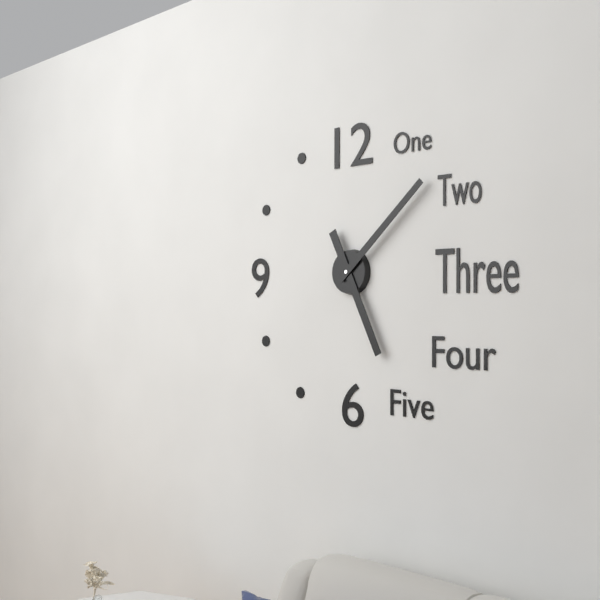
5:08
